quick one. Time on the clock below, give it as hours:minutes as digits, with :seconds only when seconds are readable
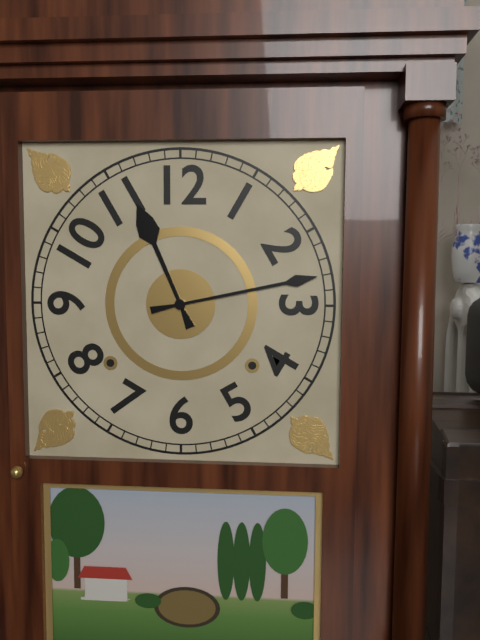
11:13
